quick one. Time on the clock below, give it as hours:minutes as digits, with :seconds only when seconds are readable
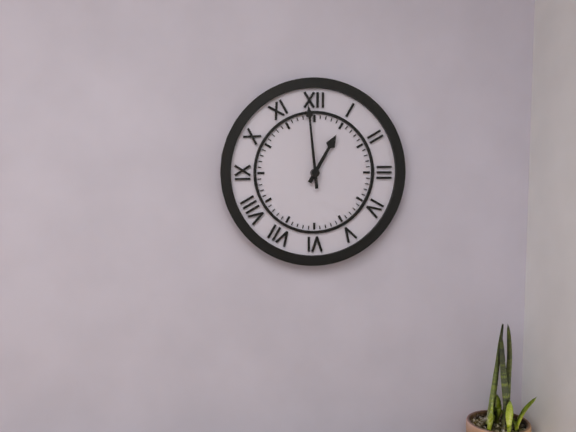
12:59
